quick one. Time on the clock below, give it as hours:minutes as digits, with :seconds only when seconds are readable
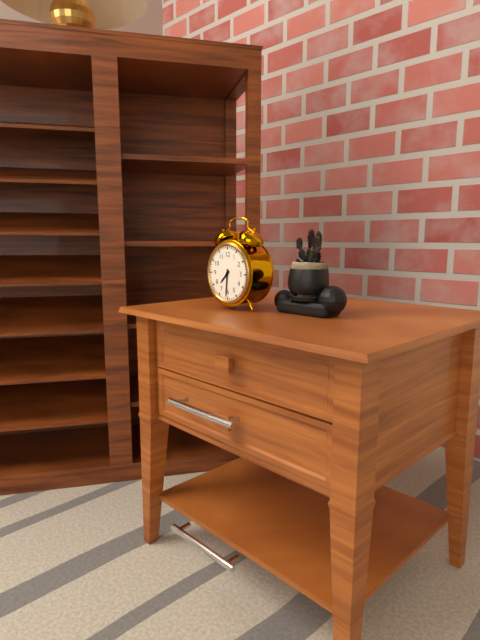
7:31
